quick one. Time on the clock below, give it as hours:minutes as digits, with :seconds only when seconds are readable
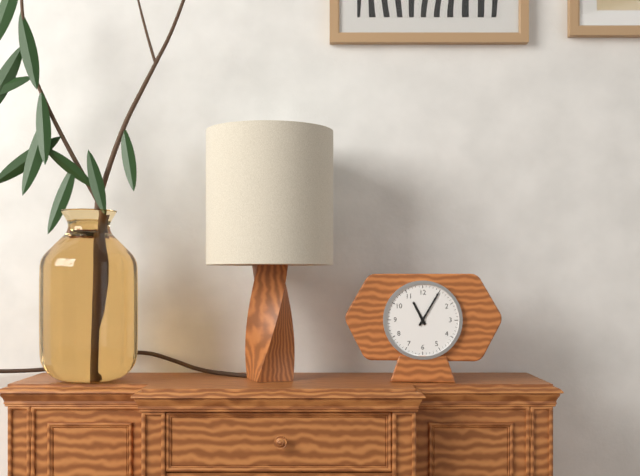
11:05
